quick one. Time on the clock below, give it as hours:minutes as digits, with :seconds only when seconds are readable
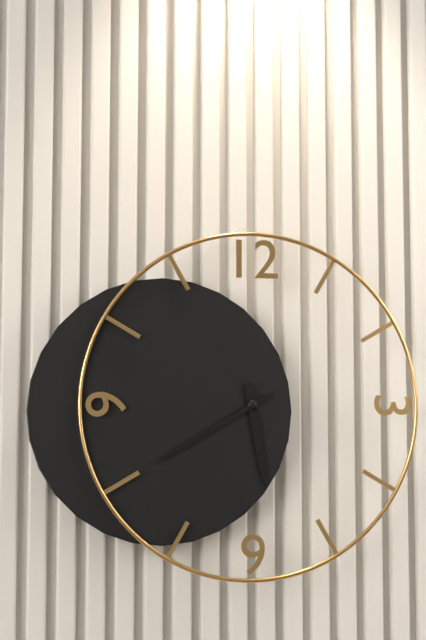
5:40
